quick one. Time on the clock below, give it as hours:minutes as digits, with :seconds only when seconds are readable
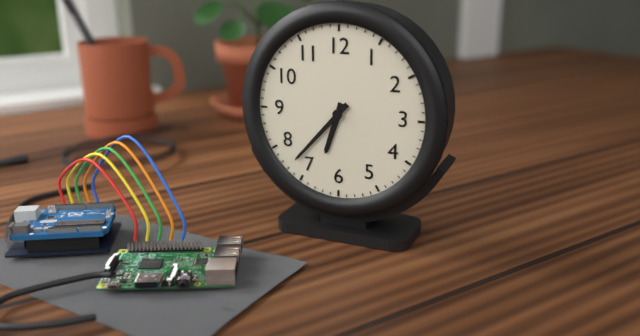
6:37
